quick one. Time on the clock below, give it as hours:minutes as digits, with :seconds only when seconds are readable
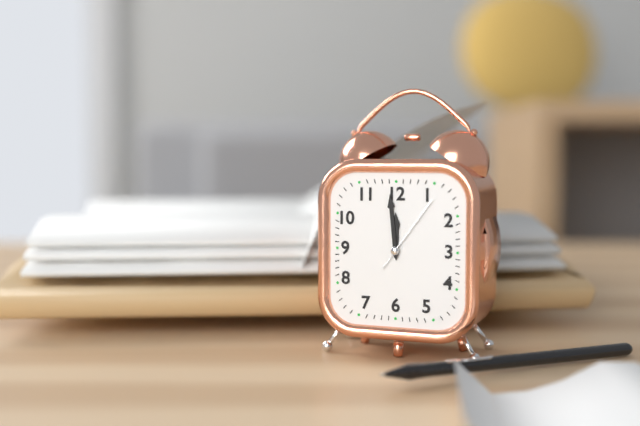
11:59:06
